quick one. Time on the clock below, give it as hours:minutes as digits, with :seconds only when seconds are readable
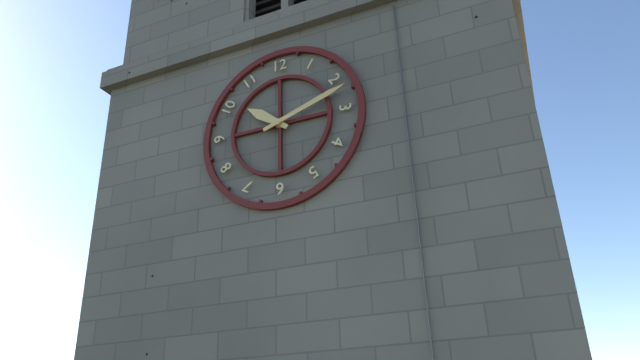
10:12
